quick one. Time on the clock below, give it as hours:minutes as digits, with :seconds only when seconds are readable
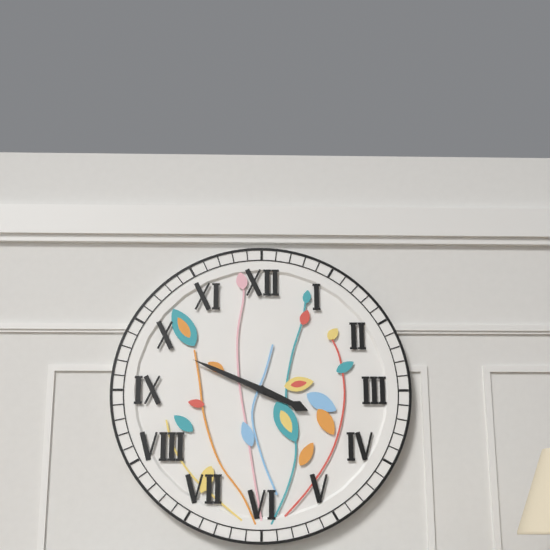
3:49
